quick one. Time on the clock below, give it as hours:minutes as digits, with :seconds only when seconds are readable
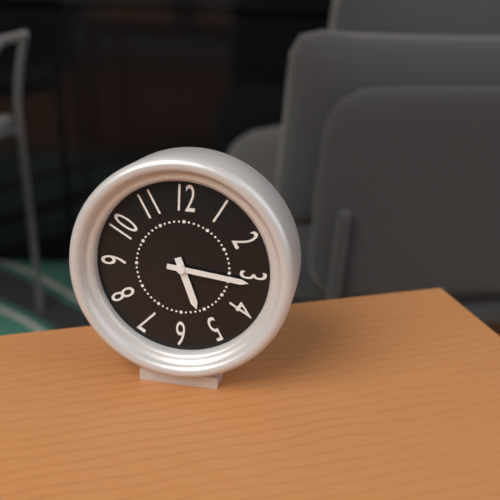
5:16
